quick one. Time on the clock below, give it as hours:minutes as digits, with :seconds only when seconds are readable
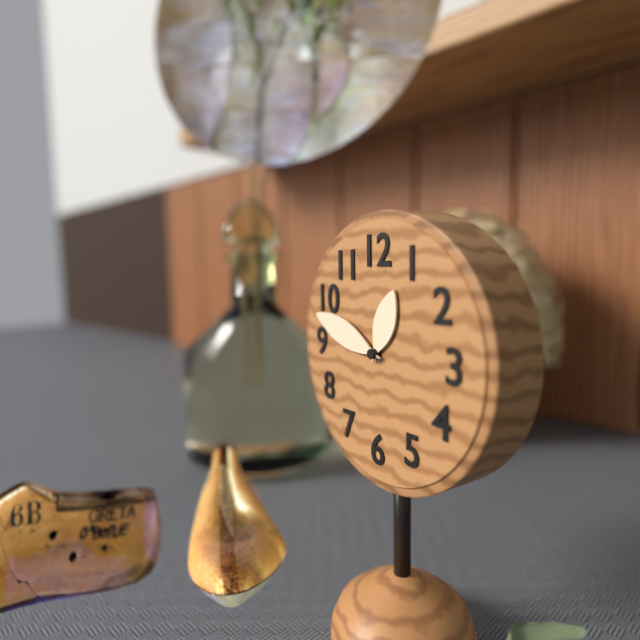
12:48
